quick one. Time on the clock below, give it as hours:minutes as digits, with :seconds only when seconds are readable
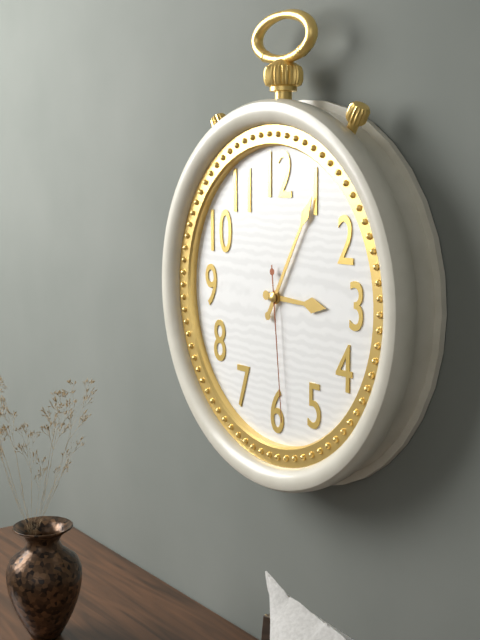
3:05:29
